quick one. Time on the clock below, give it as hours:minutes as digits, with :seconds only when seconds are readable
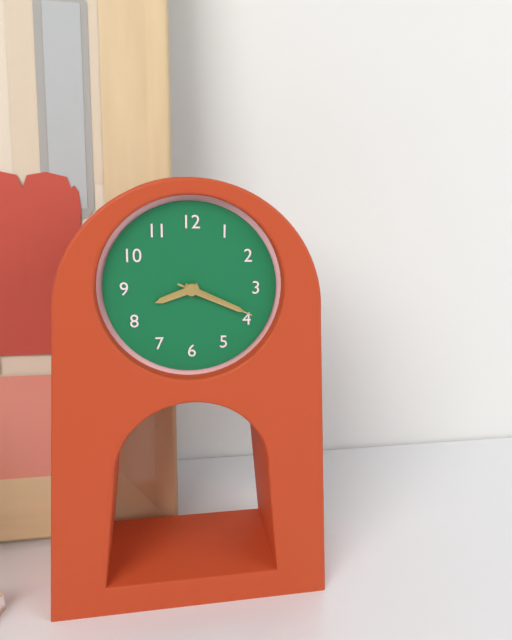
8:19:19
